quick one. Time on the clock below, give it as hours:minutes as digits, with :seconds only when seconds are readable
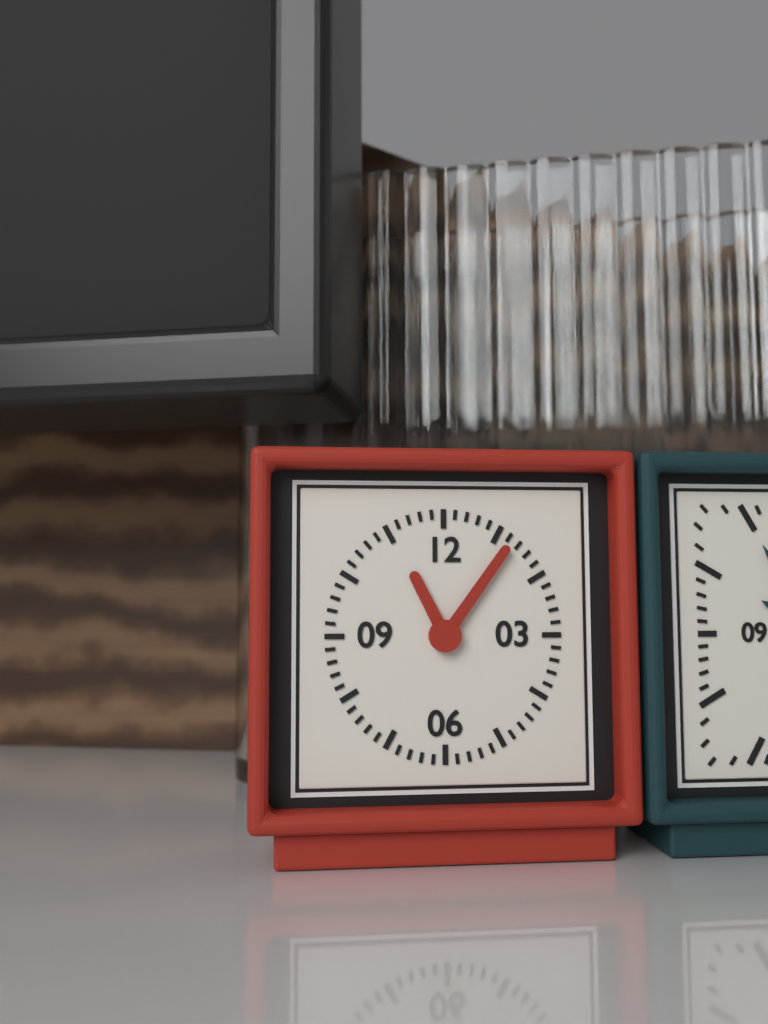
11:06
